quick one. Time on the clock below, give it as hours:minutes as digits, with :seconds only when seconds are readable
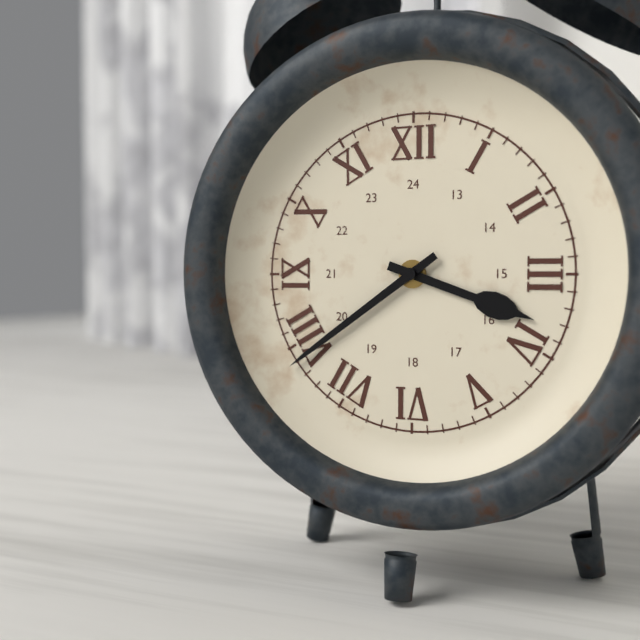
3:39
